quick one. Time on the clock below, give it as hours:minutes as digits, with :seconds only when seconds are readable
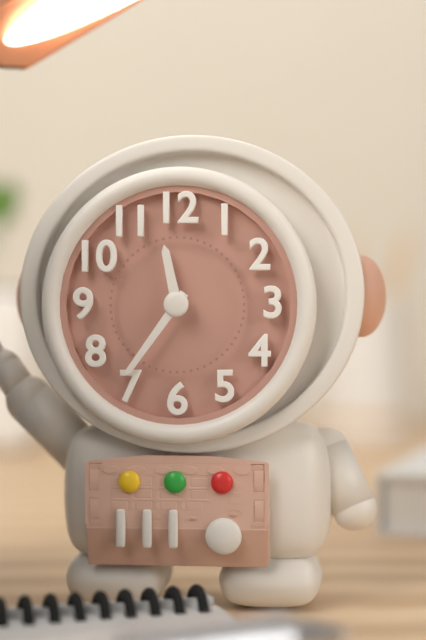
11:36
